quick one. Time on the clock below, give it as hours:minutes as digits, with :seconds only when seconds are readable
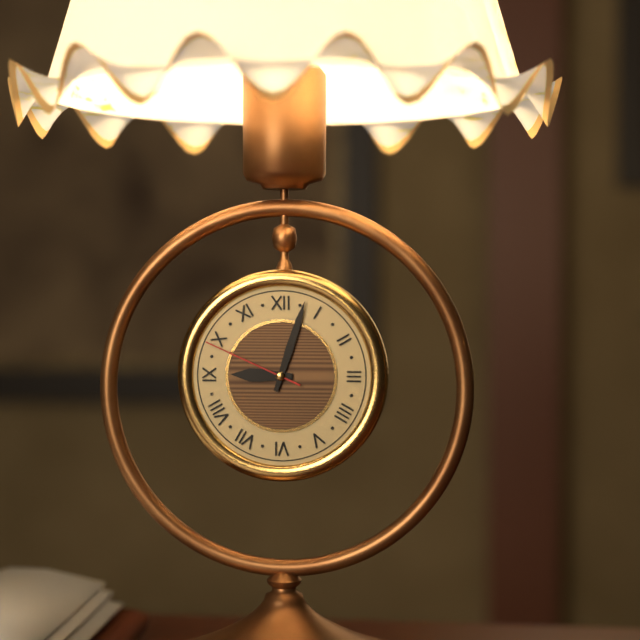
9:03:49
